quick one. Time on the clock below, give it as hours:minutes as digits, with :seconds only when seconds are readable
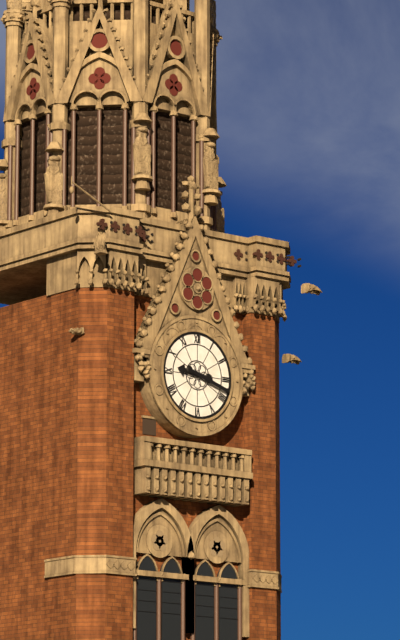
9:18
